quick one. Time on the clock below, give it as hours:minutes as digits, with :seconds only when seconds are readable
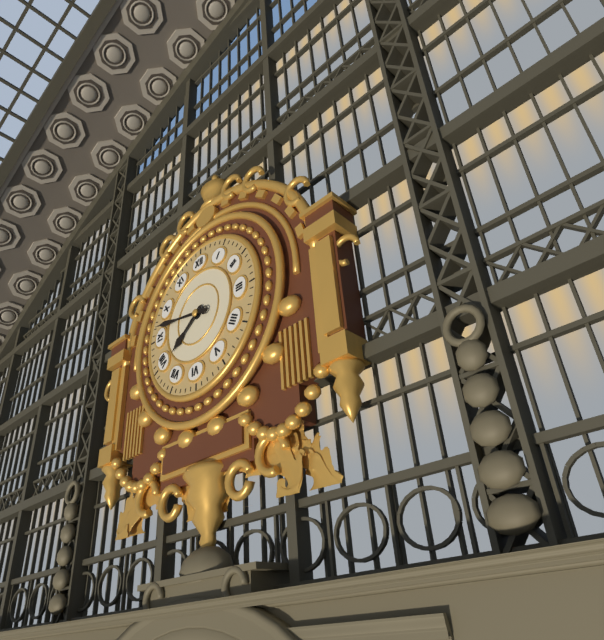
7:47
